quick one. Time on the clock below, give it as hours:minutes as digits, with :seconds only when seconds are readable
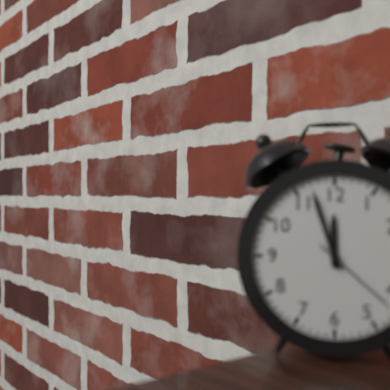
11:57
